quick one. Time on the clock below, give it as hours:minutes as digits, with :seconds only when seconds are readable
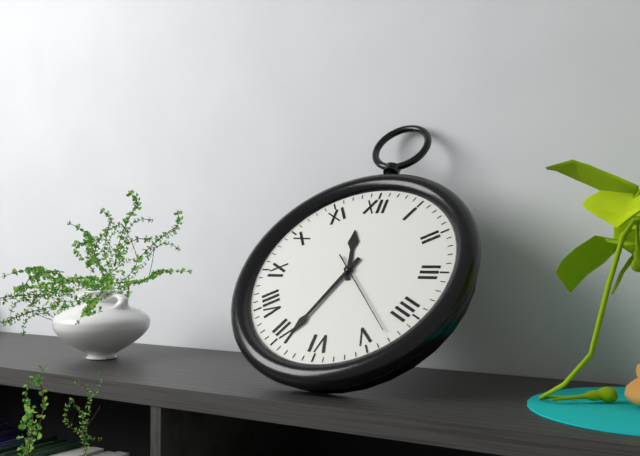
11:34:23
